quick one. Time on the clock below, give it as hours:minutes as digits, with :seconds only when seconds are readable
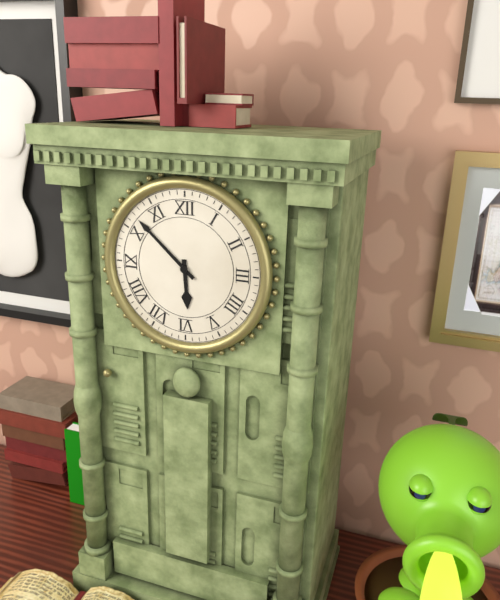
5:52
